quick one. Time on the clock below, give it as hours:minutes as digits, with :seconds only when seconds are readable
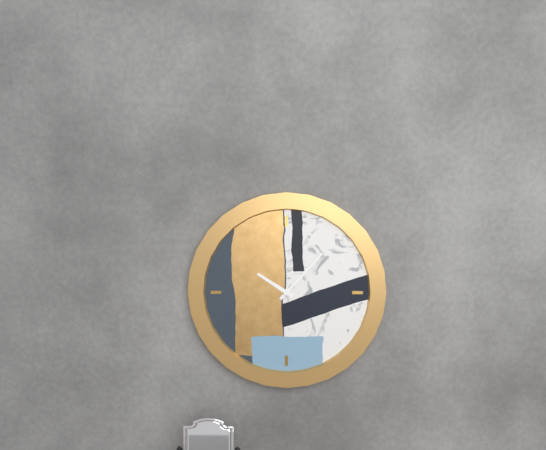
10:07
